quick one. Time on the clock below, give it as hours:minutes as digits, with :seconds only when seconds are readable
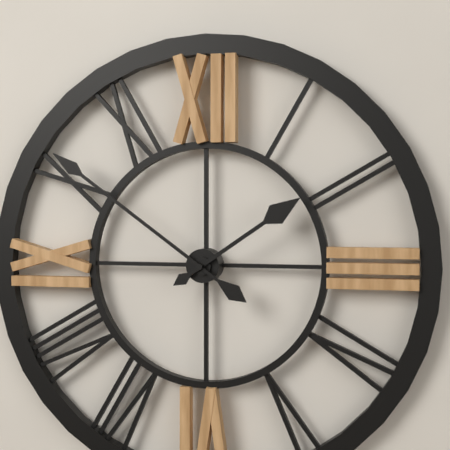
1:51
